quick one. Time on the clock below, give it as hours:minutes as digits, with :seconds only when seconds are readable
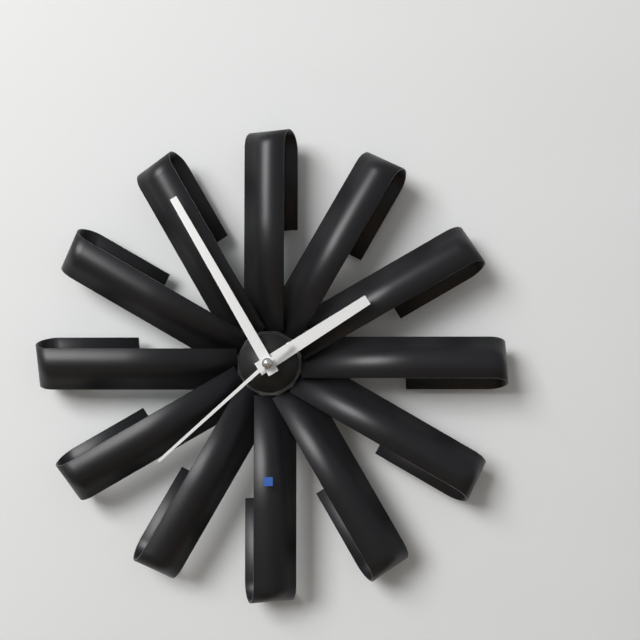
1:55:38
